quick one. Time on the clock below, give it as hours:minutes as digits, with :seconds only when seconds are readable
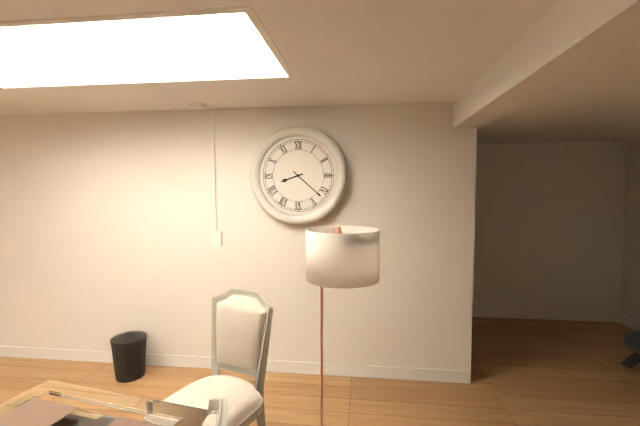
8:22
